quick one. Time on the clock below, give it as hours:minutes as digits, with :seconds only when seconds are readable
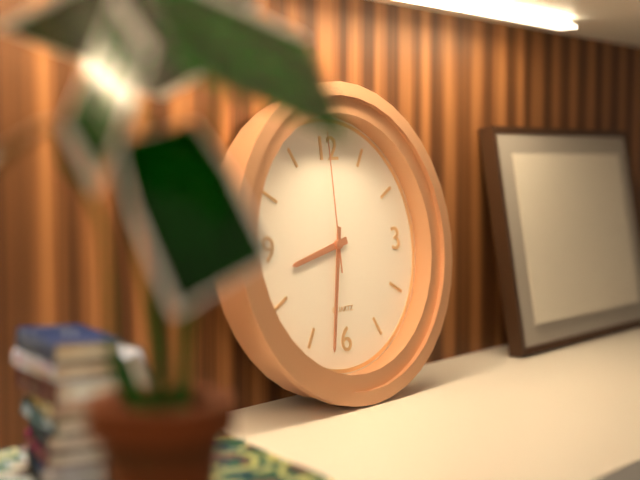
8:32:00
